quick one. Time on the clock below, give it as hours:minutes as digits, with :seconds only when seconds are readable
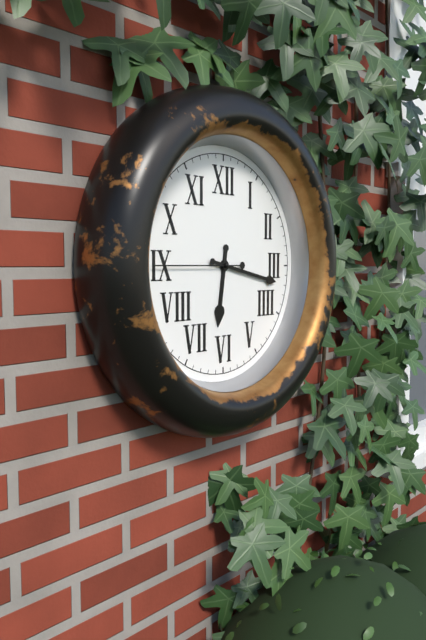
6:17:45
